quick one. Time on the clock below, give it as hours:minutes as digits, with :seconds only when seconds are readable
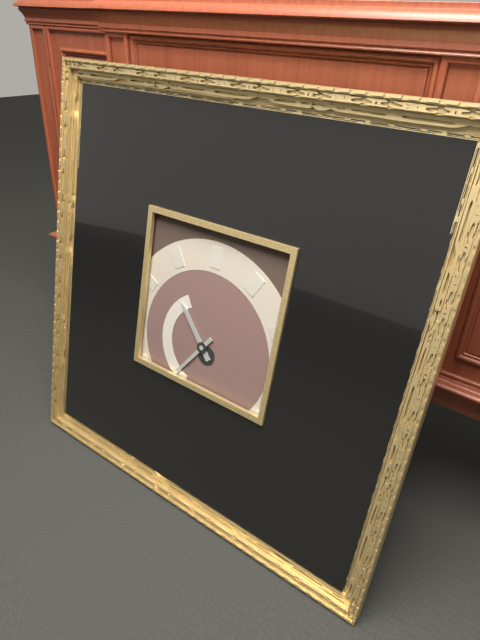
10:36
